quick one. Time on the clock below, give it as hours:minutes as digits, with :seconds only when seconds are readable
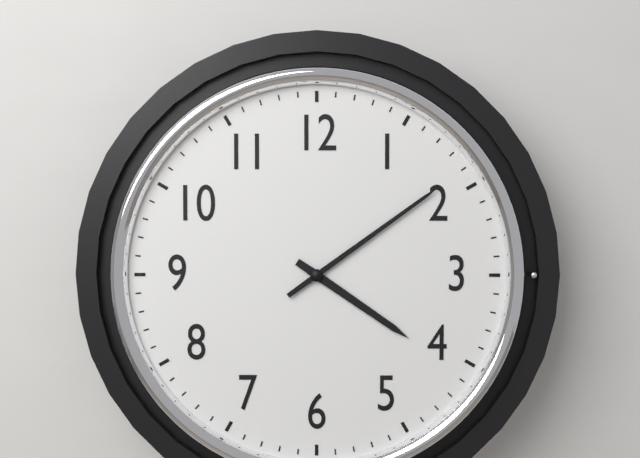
4:09
